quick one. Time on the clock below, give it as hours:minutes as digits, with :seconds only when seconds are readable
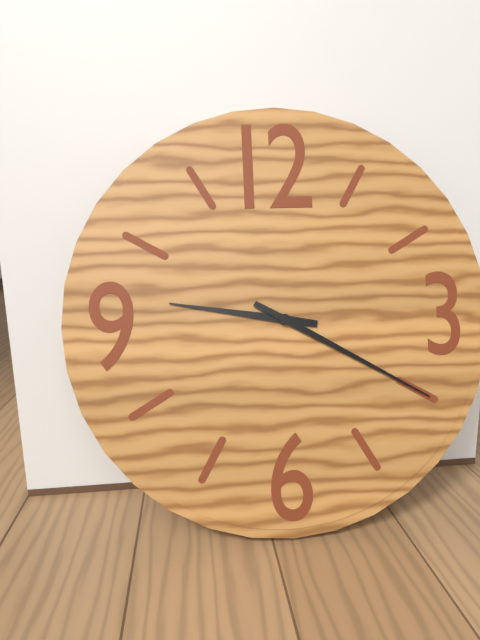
9:20
